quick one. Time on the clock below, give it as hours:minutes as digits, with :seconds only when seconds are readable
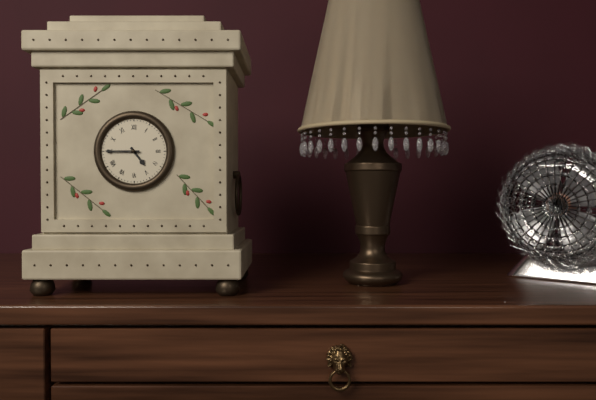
4:45
